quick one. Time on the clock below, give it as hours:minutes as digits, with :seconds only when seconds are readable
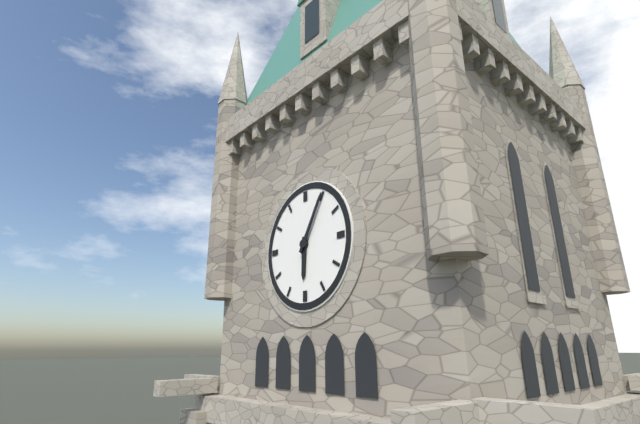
6:05
